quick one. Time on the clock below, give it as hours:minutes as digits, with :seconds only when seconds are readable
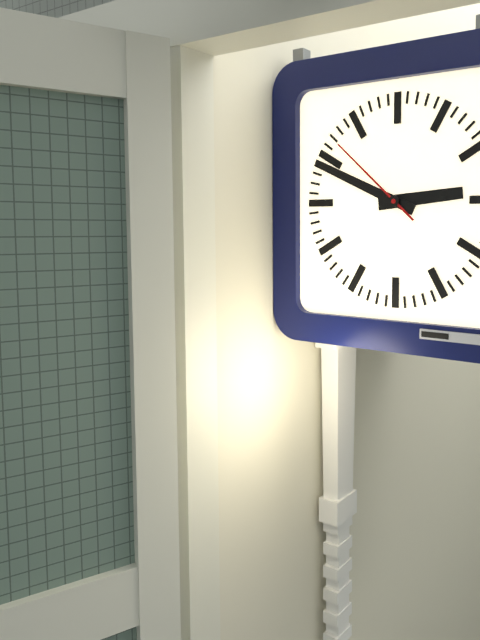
2:49:52
